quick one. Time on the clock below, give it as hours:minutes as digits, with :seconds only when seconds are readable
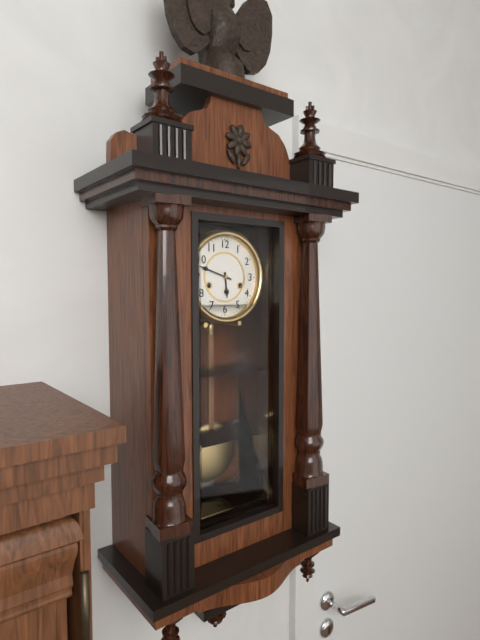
5:48
